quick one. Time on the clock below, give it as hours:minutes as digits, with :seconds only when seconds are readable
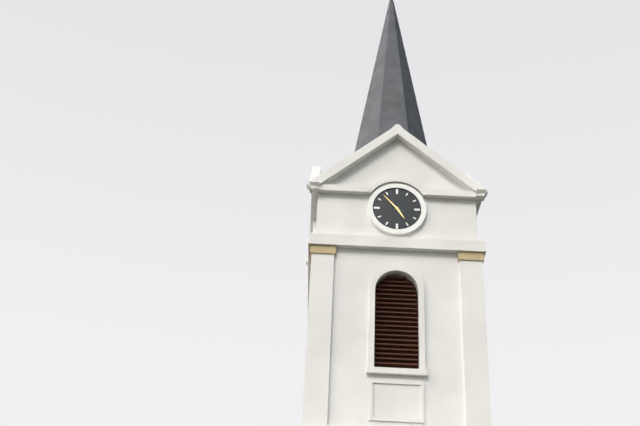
4:53
